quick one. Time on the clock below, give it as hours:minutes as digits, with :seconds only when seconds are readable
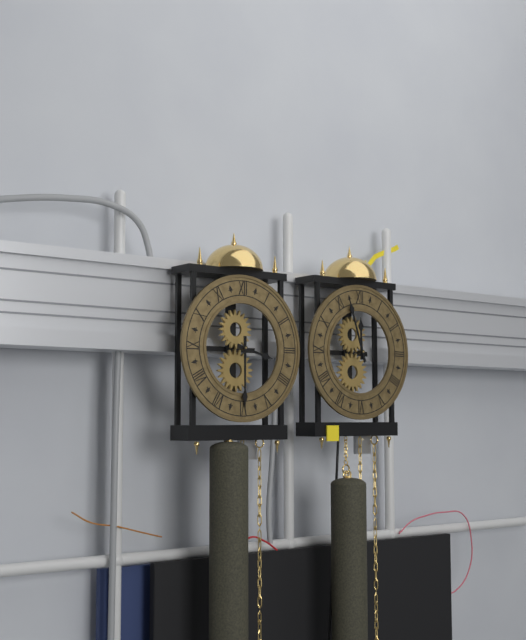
3:30
